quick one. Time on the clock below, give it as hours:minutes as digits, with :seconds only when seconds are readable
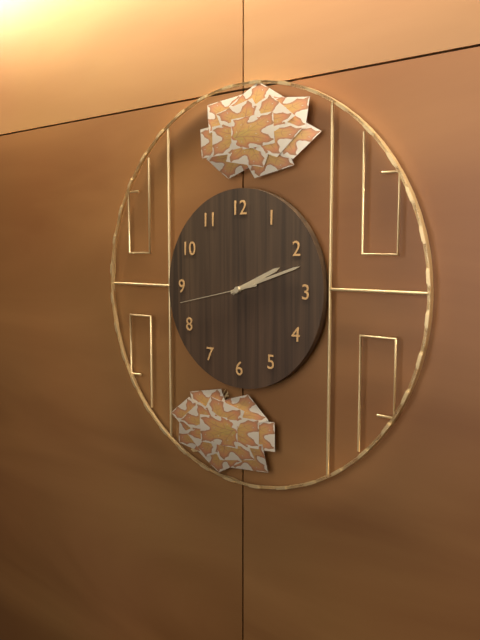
2:12:43
